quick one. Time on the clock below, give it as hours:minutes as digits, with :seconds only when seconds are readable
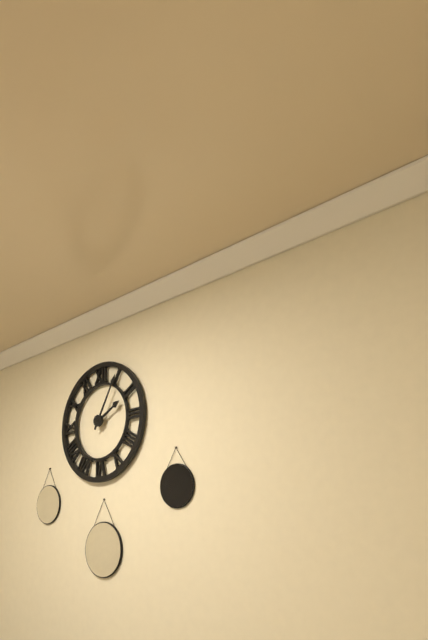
2:05
